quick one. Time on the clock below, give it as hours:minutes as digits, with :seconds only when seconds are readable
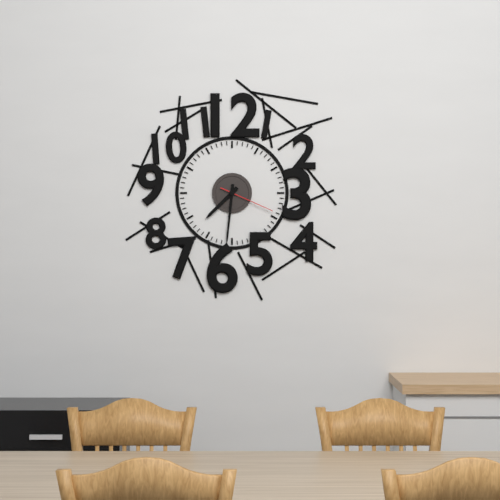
7:31:19
